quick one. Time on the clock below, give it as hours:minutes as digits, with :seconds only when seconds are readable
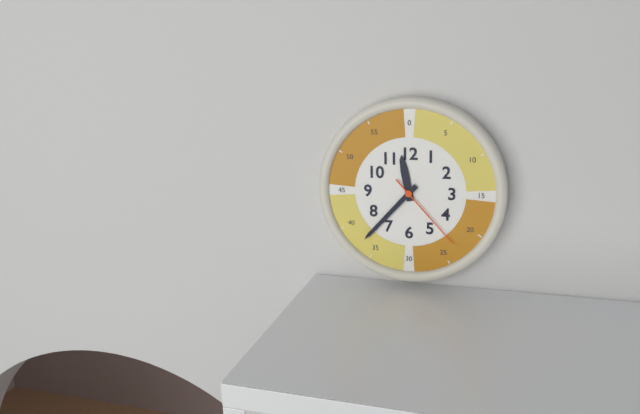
11:37:23
